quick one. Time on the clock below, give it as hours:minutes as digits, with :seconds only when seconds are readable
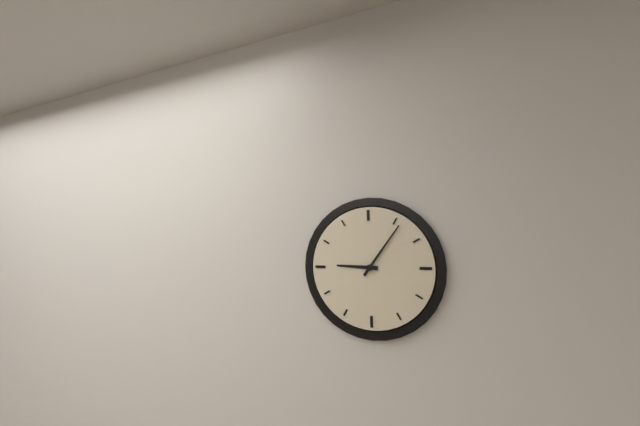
9:06
